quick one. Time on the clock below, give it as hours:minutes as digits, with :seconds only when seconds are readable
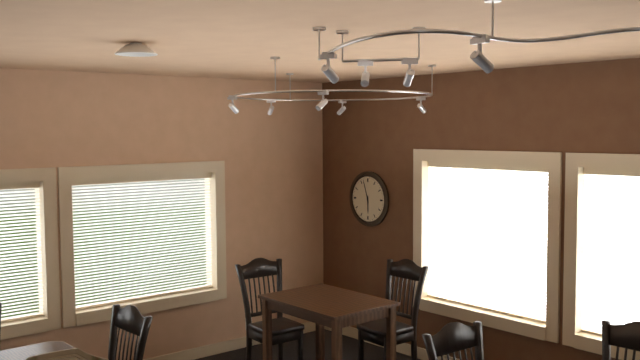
5:57
